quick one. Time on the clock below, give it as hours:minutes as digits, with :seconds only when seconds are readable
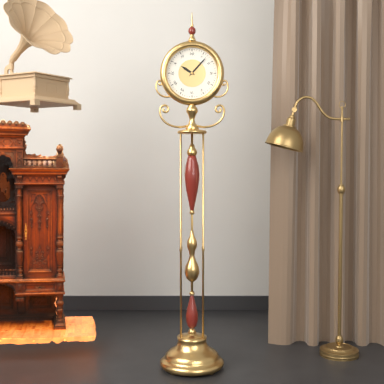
10:07
